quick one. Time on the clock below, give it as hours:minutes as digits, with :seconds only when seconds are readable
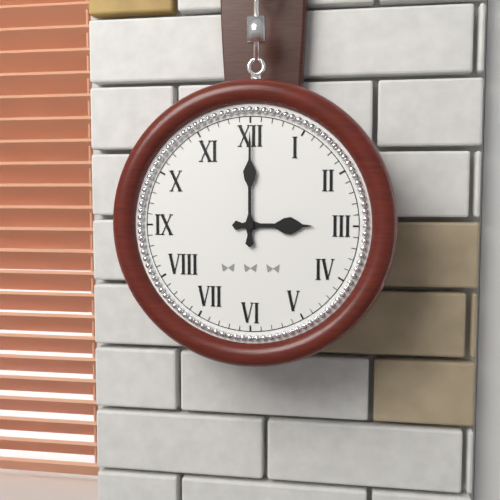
3:00
